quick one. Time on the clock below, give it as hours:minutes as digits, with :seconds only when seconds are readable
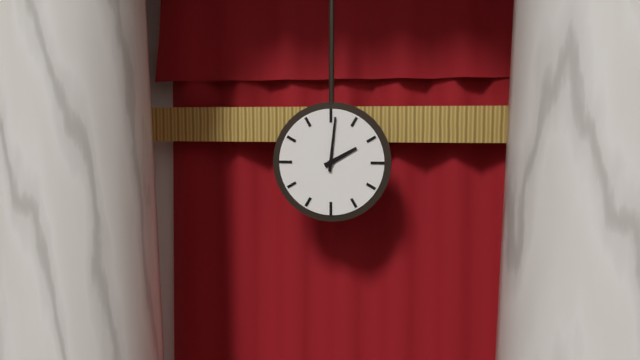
2:01
